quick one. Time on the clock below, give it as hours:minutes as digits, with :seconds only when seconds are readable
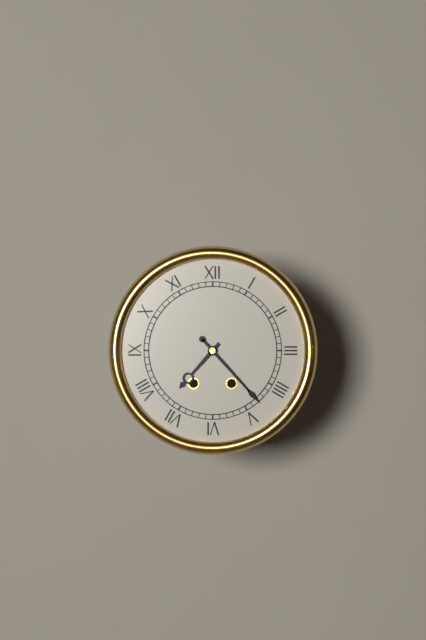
7:23
